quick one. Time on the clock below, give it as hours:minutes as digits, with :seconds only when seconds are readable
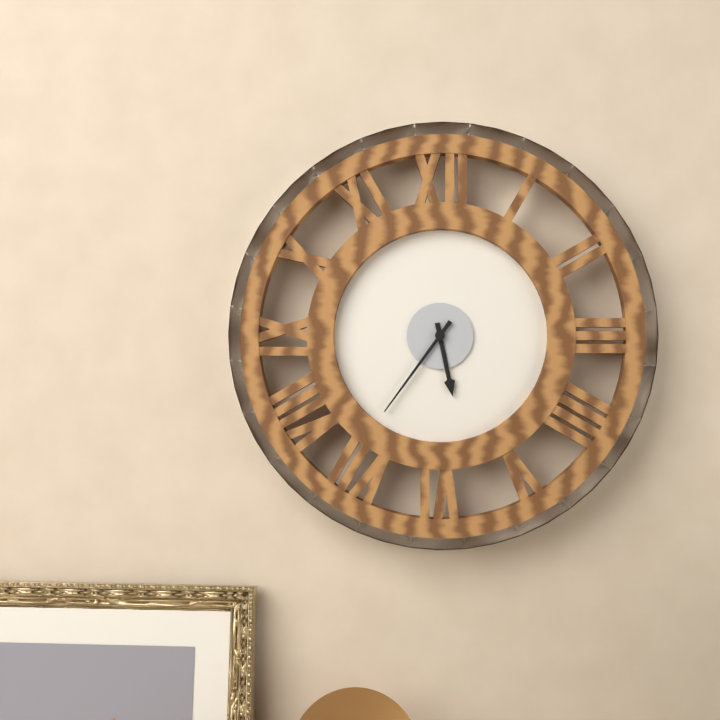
5:36
